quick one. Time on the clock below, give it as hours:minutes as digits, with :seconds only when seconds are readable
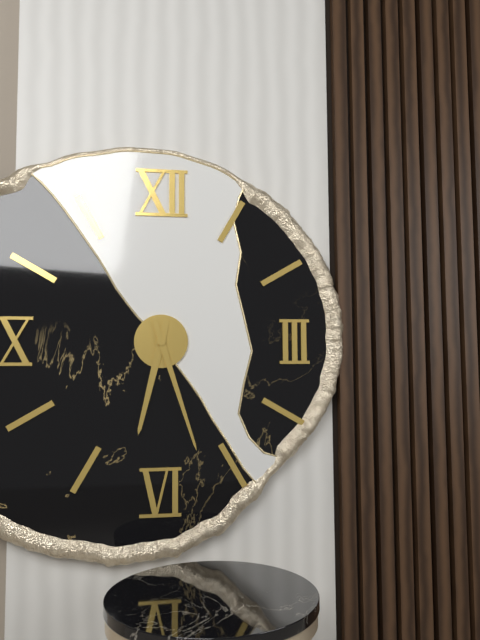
6:27
